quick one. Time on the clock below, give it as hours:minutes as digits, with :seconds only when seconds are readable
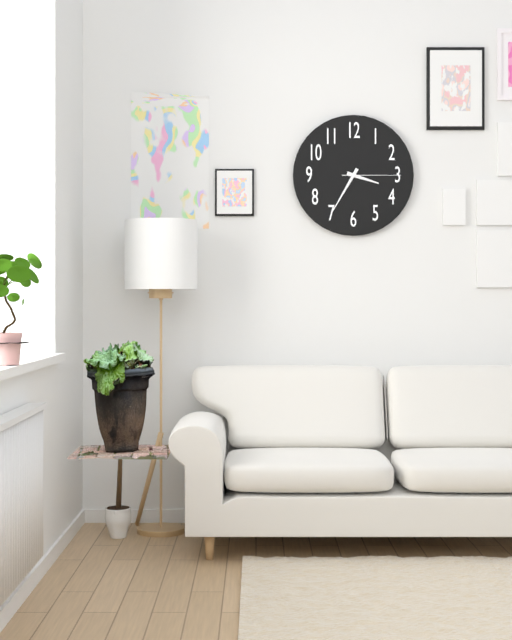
3:35:15
